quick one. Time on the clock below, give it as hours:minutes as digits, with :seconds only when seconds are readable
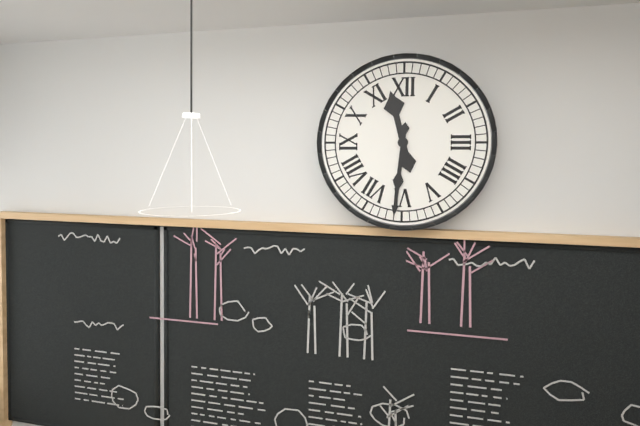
11:31
